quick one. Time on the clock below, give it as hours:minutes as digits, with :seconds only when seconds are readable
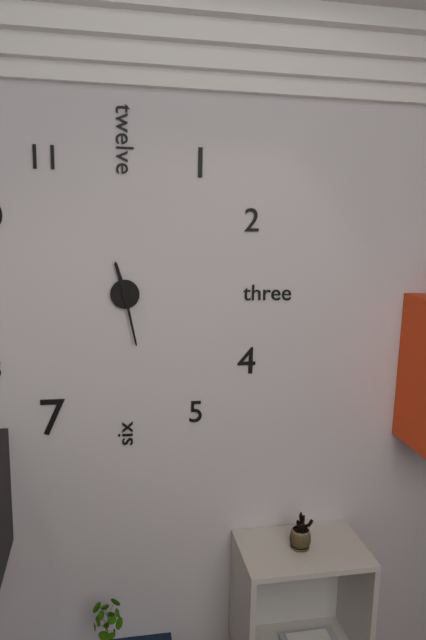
11:28
